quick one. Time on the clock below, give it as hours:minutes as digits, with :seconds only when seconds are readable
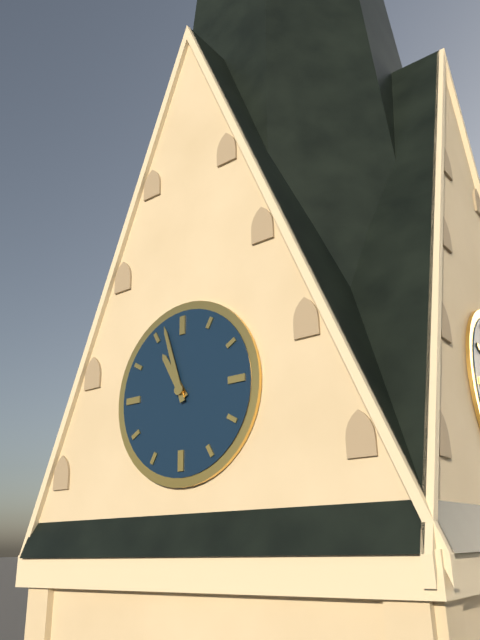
10:57
